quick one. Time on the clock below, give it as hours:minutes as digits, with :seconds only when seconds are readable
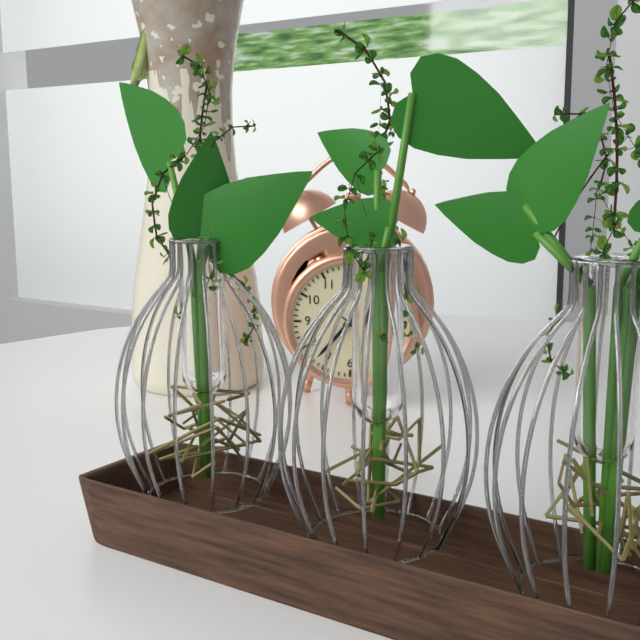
1:37
